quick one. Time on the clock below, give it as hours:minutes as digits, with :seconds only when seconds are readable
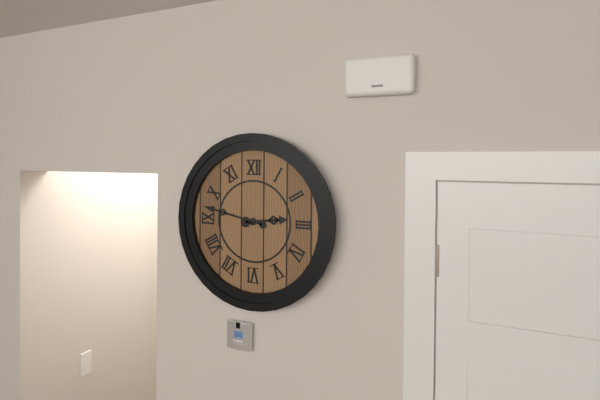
2:47
